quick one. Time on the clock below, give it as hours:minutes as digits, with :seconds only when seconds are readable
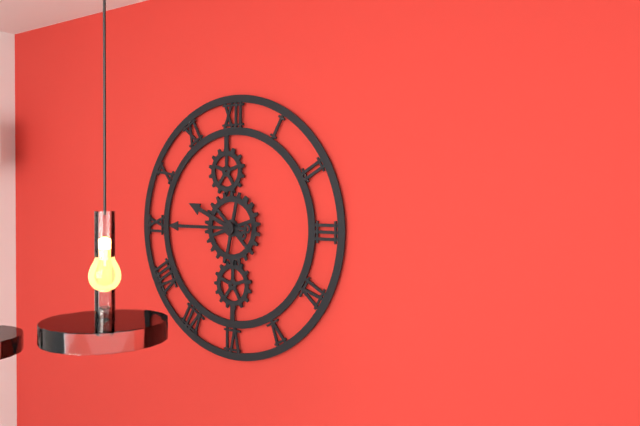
9:45
